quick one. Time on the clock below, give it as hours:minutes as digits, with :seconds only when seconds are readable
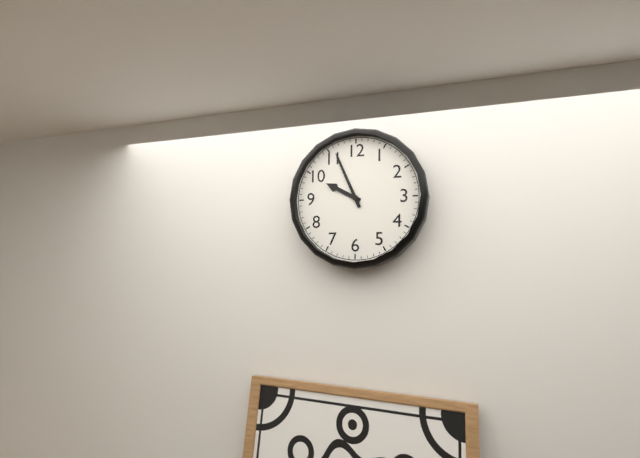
9:56
